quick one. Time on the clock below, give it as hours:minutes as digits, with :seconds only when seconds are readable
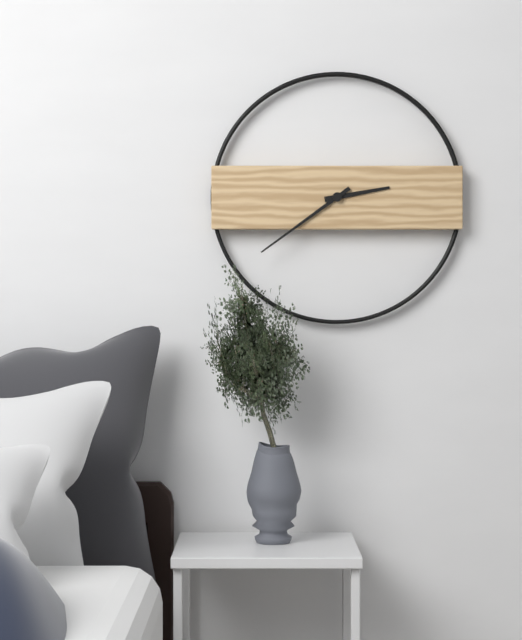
2:39
